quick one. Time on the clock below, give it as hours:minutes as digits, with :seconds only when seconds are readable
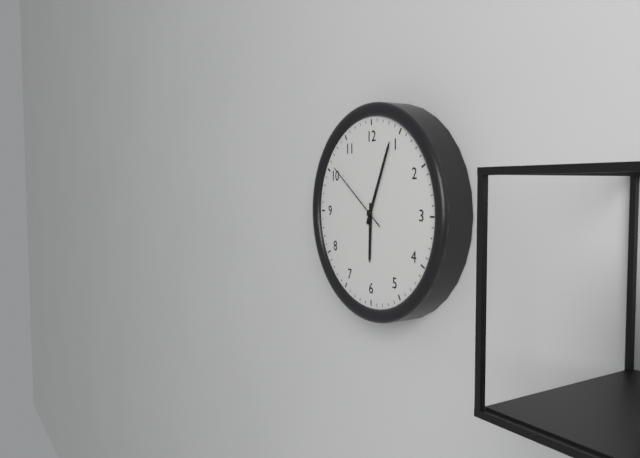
6:04:51
